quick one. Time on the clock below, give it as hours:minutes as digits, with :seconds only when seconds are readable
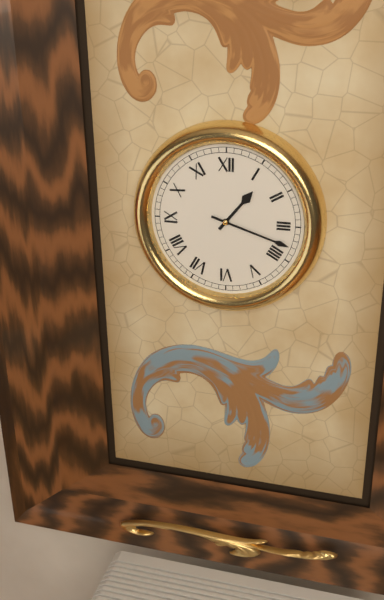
1:18
